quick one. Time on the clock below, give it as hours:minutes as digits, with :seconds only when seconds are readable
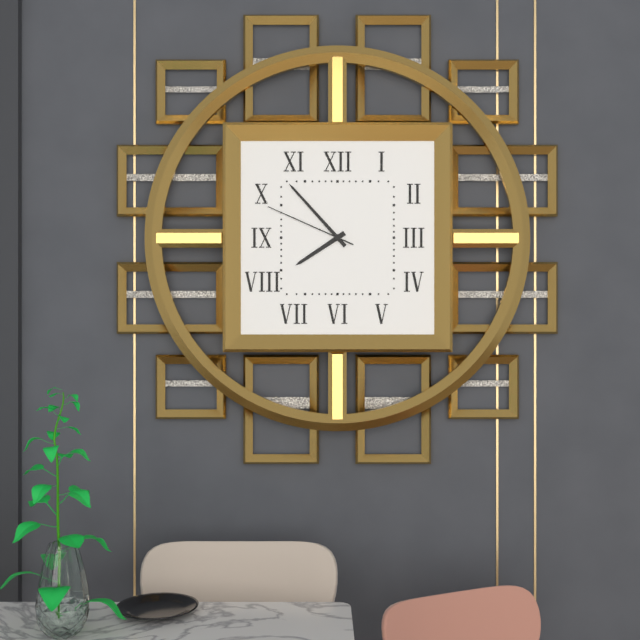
7:53:49
